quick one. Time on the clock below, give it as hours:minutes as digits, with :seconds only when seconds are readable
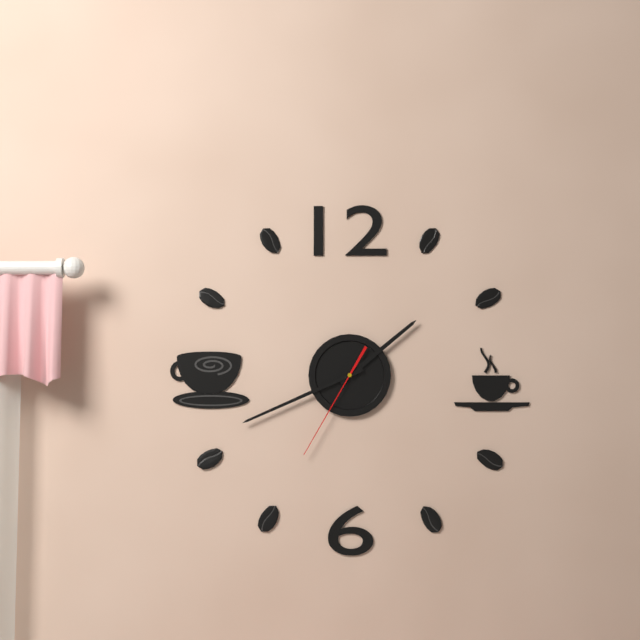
1:41:35
